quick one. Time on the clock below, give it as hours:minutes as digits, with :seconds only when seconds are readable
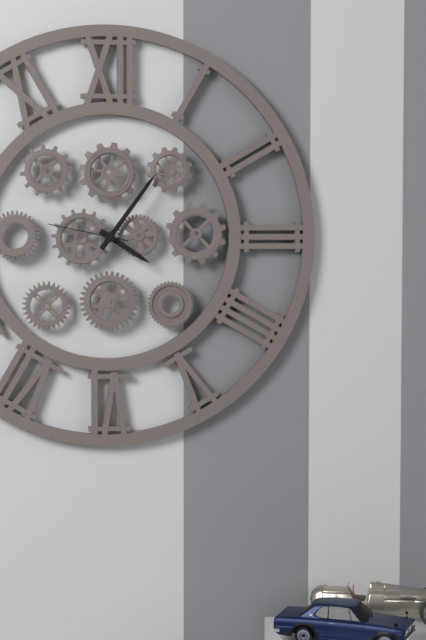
4:06:47
